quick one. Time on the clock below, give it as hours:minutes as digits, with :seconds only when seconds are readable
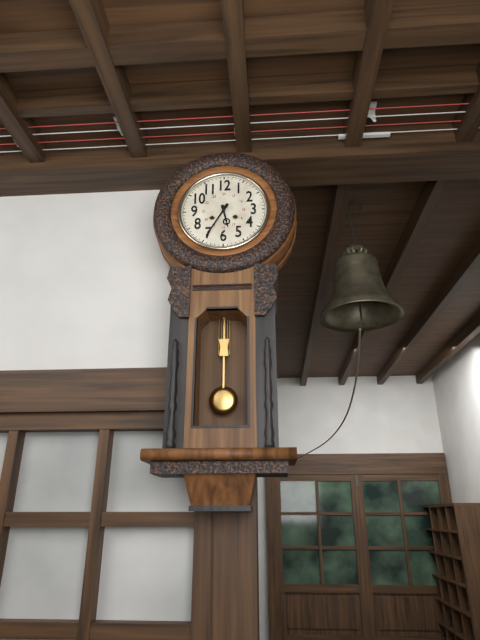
5:35
